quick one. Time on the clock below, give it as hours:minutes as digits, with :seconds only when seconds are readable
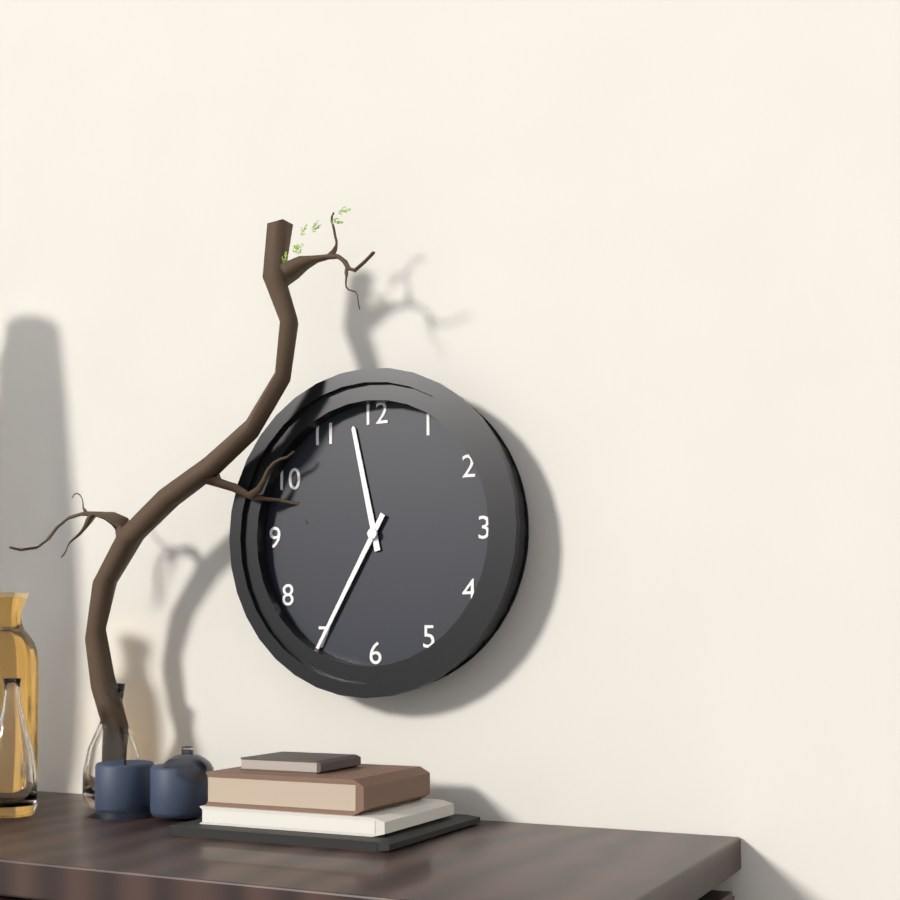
11:35
